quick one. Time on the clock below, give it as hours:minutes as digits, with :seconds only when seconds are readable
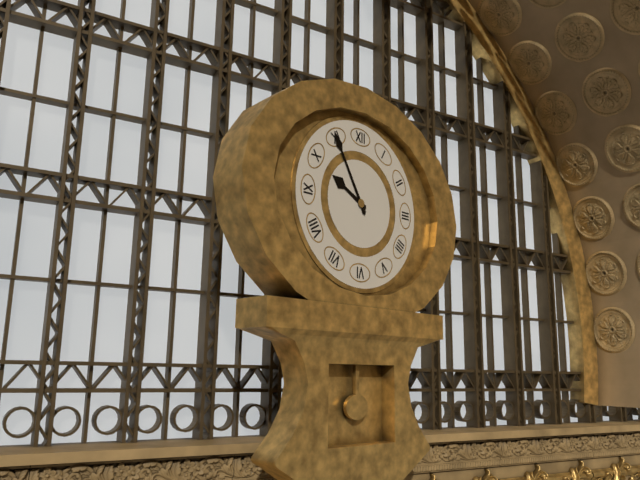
9:55
